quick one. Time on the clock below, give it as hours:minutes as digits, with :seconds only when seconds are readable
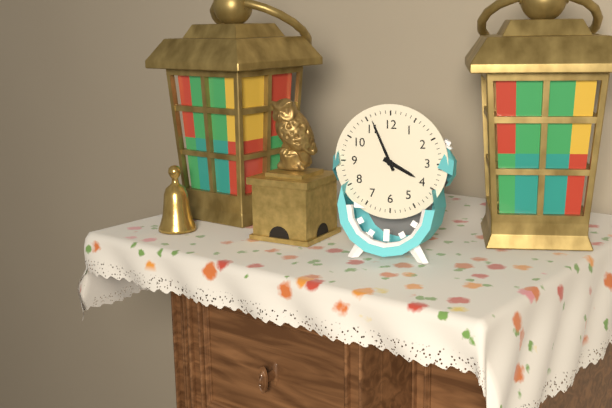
3:56
